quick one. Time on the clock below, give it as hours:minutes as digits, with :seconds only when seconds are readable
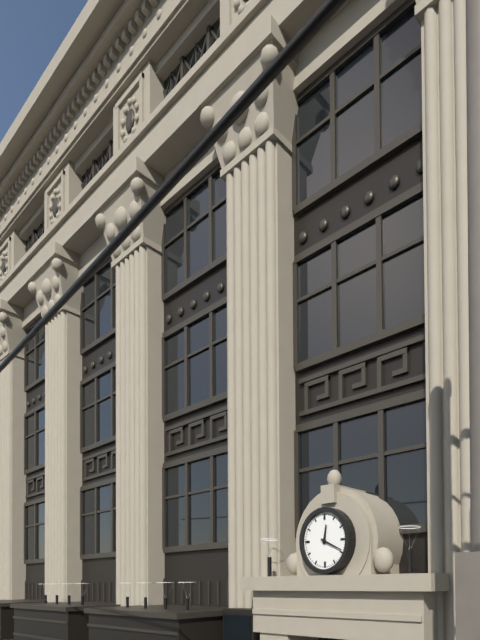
12:19
